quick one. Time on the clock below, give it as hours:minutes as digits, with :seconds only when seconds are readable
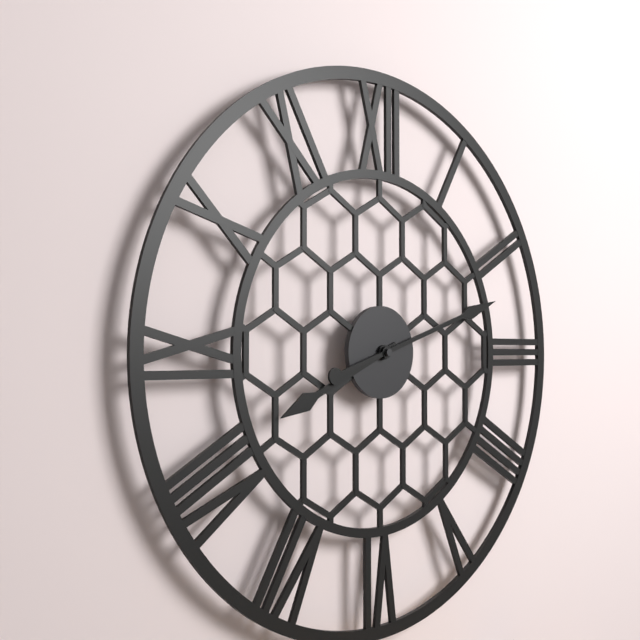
8:12
